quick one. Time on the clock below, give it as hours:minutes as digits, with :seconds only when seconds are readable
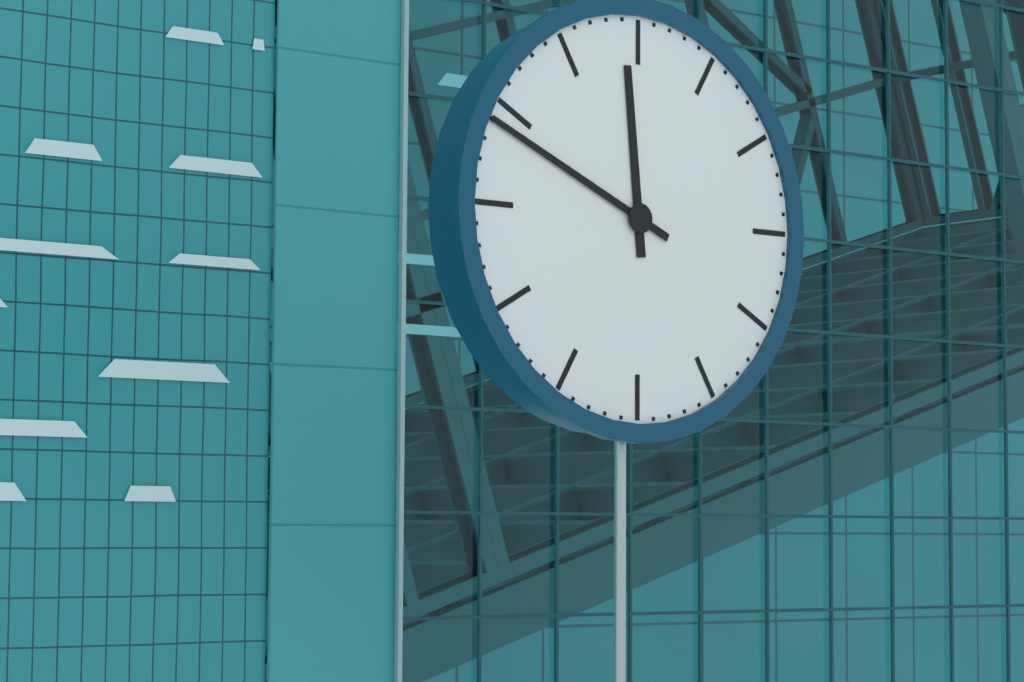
11:49
